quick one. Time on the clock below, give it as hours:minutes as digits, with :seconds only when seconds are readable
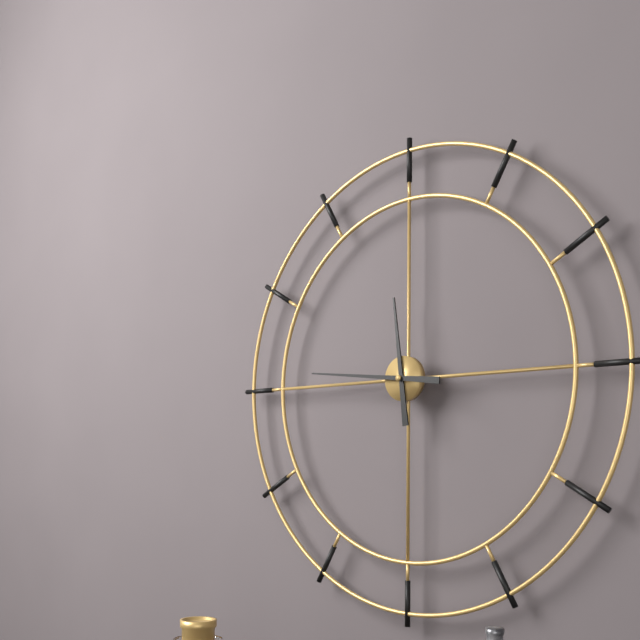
11:46
